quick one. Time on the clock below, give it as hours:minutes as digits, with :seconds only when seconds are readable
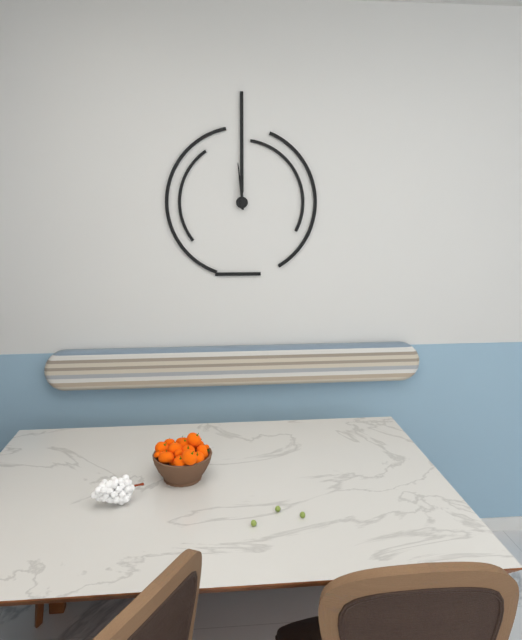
11:59
